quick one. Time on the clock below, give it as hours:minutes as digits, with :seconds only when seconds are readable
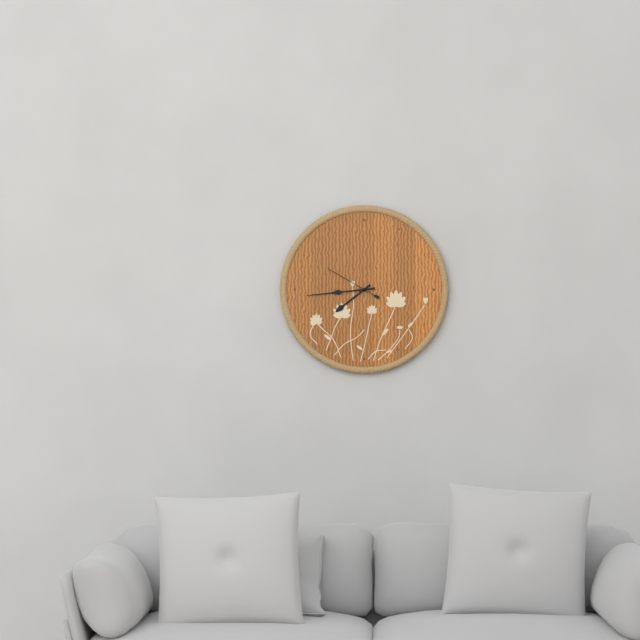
7:44:50
